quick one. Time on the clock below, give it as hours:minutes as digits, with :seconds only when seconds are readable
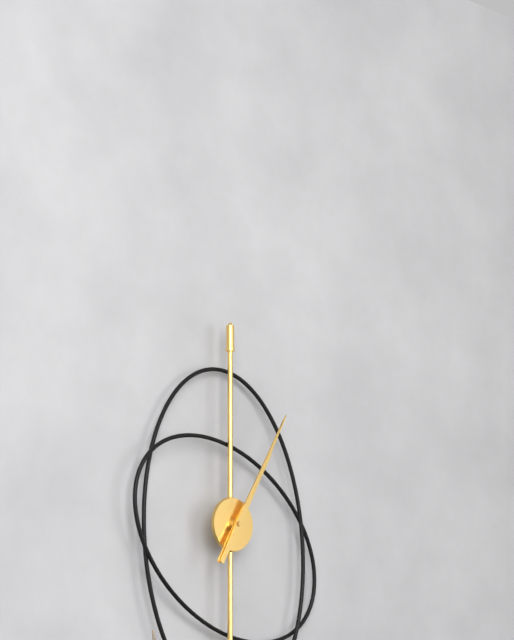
1:05
